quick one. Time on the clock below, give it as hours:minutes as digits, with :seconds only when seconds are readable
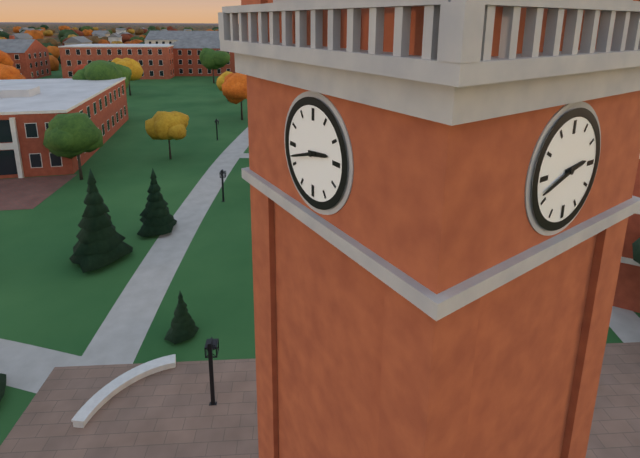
2:42
